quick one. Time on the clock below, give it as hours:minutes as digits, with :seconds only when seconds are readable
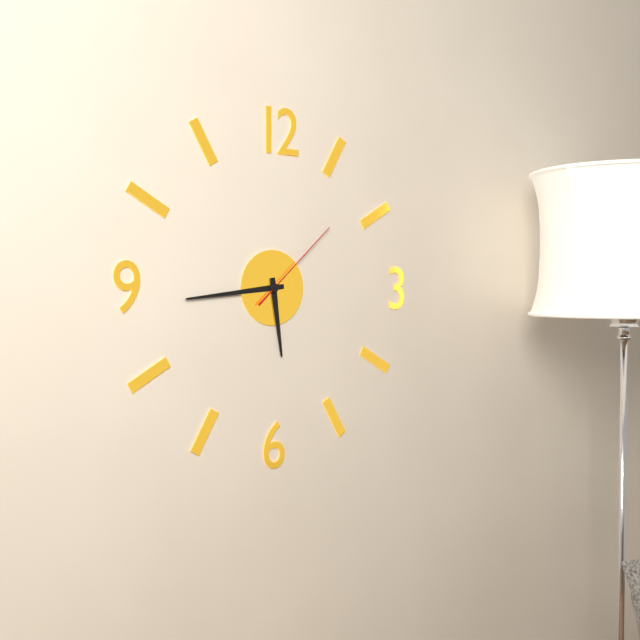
5:44:08
